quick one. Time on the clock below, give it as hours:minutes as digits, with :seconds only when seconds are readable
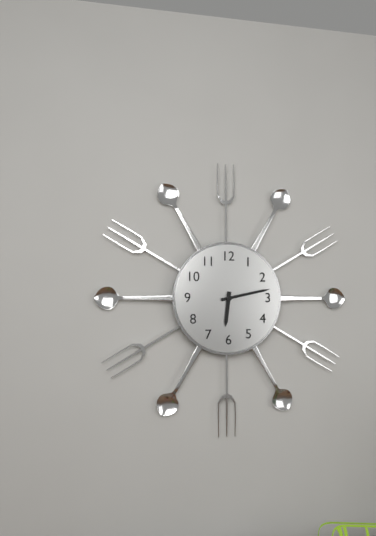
6:13
